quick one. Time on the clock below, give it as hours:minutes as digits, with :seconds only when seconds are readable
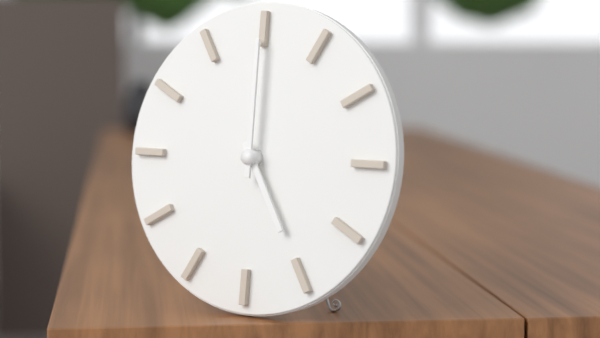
5:00
